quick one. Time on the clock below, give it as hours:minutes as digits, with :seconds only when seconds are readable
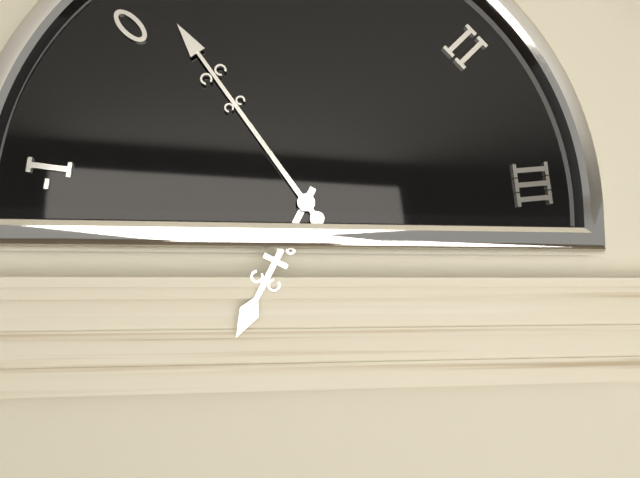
6:54
